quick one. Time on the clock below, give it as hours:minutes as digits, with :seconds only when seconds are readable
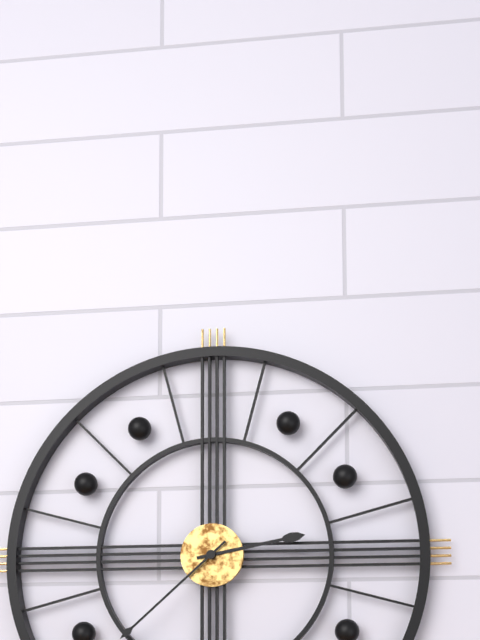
2:38
